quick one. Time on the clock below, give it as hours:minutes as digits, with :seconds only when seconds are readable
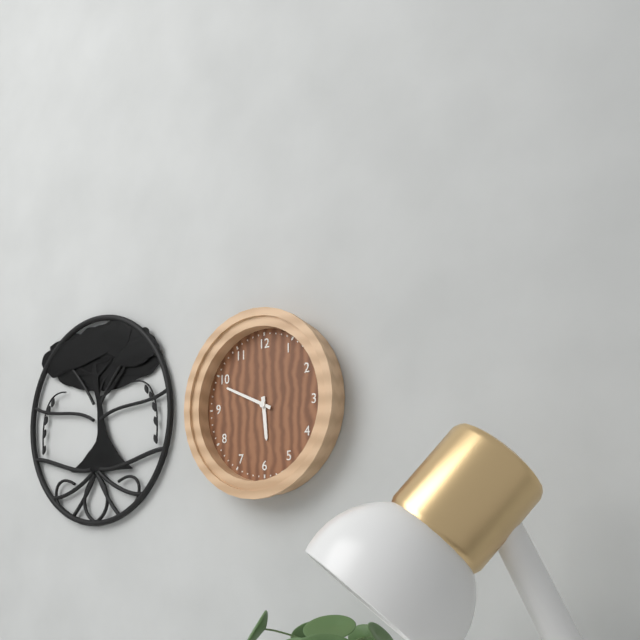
5:49
